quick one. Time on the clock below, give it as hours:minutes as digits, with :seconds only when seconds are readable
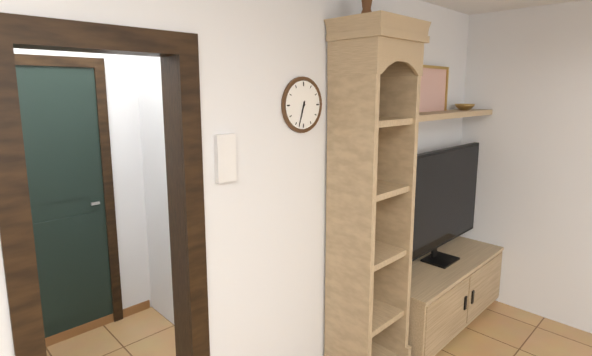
6:33
